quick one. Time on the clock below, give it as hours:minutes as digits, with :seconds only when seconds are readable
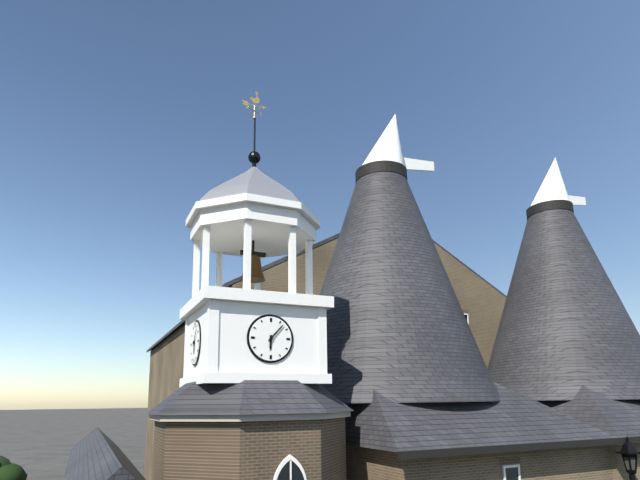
6:07
